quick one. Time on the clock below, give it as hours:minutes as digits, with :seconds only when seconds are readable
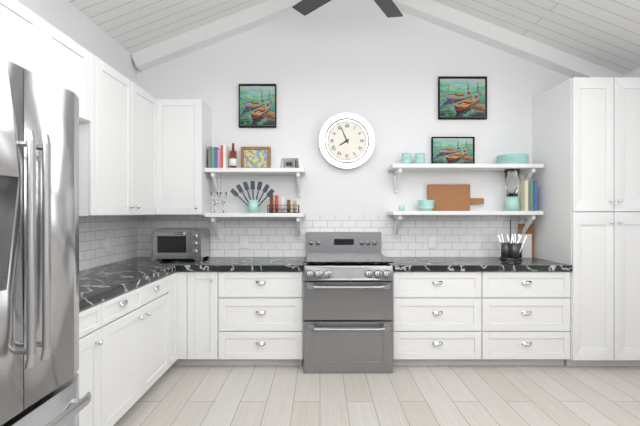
7:56
